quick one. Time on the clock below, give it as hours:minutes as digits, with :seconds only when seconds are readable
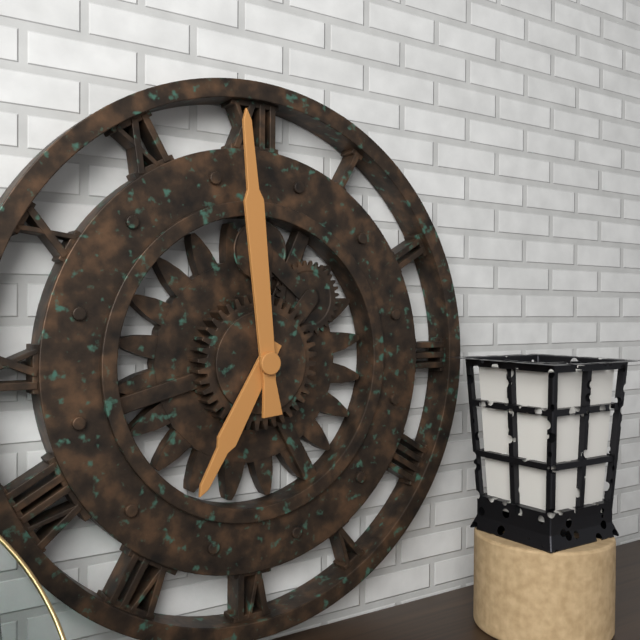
6:59
